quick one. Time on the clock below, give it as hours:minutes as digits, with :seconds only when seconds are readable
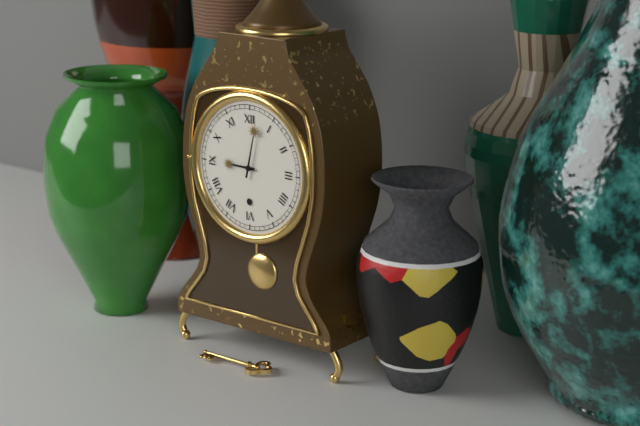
9:02
